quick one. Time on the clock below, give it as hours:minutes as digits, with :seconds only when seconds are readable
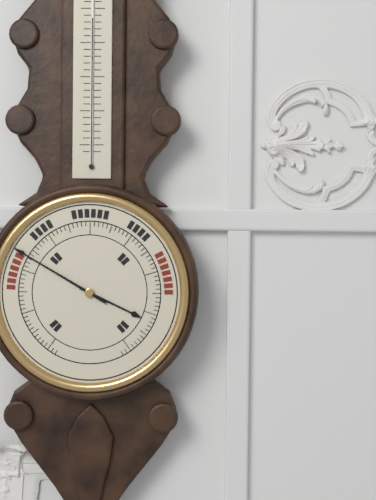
3:50
